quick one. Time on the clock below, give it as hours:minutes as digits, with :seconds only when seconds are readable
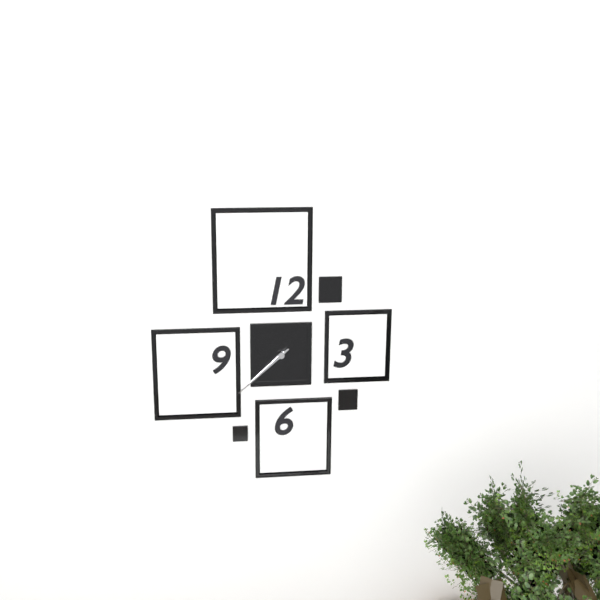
7:38
